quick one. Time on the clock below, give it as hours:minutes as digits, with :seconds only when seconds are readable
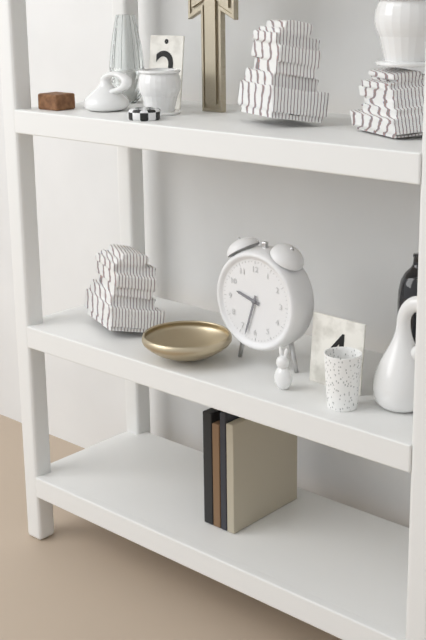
9:33
